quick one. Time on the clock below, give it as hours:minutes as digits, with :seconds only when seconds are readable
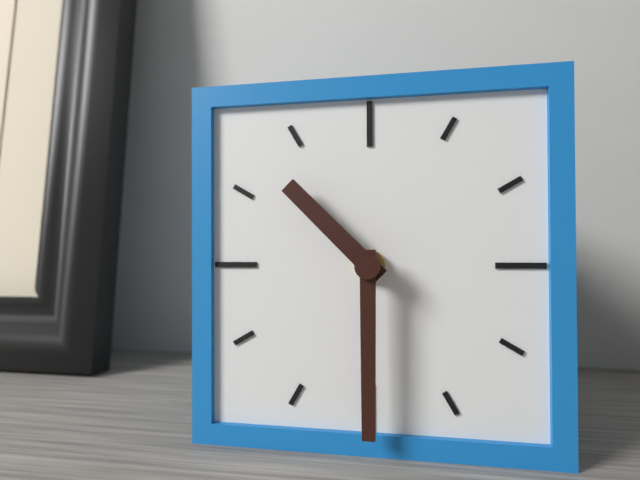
10:30
